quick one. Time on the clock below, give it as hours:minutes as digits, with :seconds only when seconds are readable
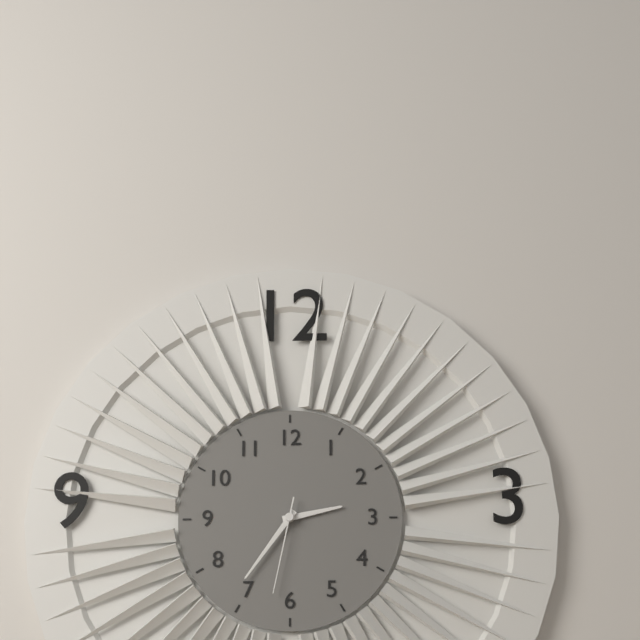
2:36:32
